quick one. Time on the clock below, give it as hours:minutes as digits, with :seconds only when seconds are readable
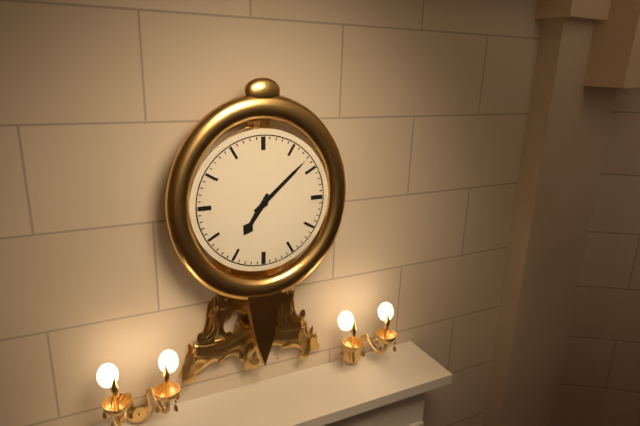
7:08
